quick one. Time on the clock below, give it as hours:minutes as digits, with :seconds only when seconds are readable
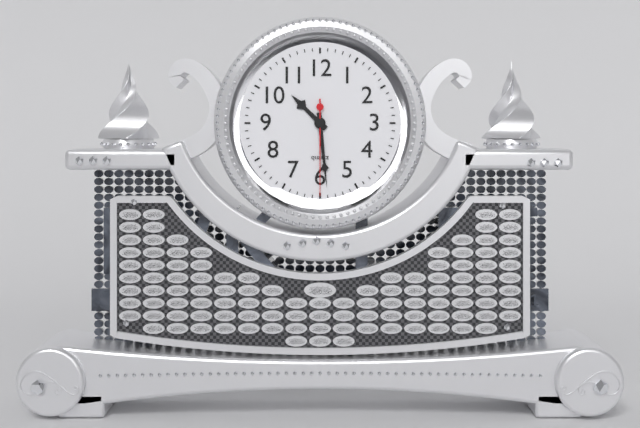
10:29:30
